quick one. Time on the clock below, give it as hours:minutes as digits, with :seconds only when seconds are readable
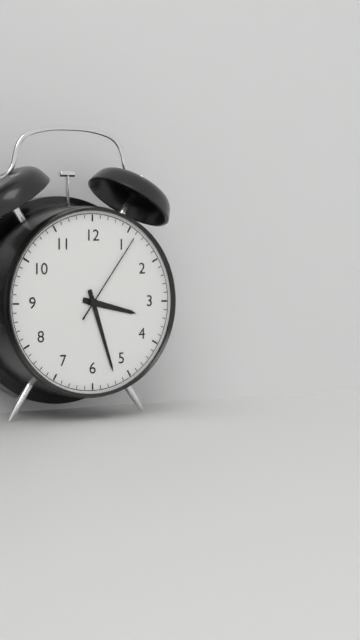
3:27:06
